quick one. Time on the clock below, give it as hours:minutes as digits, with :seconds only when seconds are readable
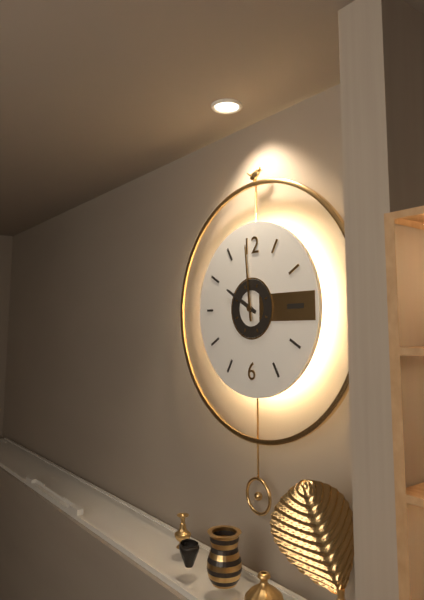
9:59
